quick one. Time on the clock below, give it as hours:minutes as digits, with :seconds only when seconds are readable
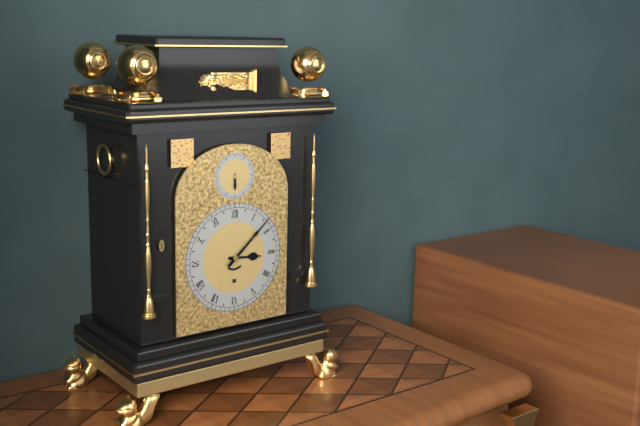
3:08
